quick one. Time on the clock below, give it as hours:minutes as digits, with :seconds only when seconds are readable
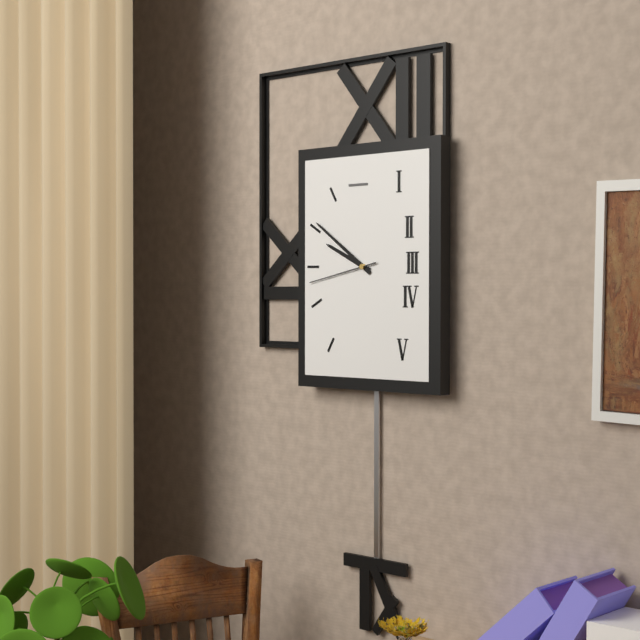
9:51:43
